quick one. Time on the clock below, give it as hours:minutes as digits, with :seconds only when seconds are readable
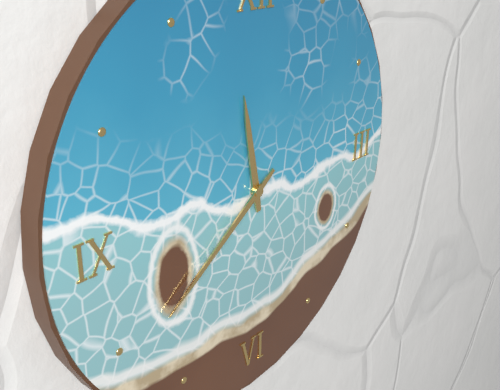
11:39
